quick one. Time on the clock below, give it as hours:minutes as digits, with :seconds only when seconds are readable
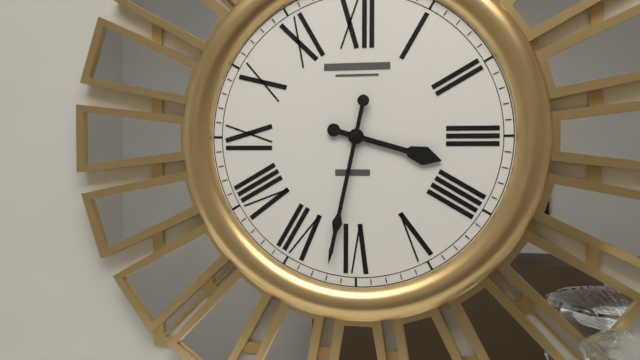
3:32
